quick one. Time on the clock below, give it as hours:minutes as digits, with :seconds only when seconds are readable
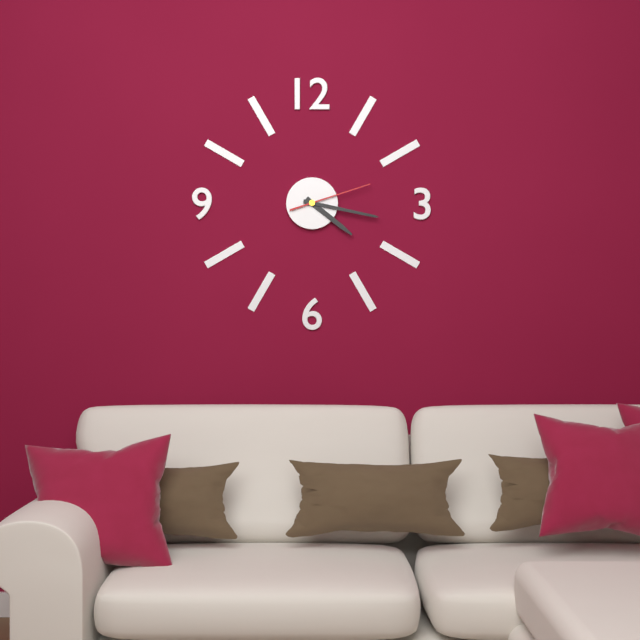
4:17:12
